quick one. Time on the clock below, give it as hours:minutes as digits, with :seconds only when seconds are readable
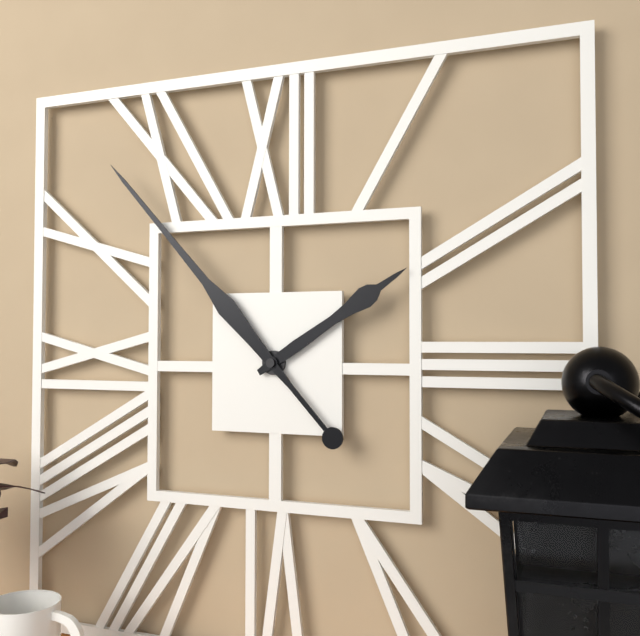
1:53
